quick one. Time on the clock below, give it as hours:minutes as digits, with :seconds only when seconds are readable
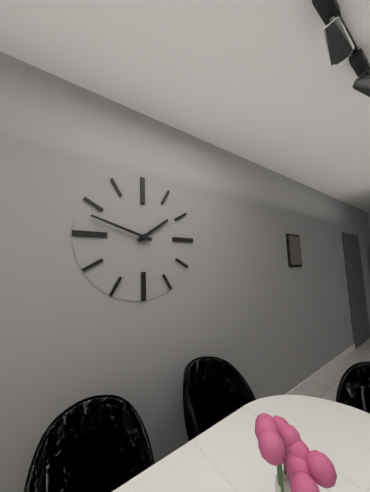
1:48
